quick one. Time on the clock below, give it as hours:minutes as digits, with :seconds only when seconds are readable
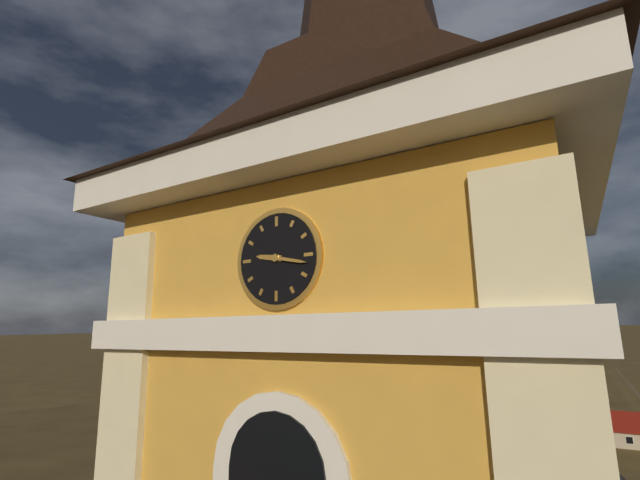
9:17
